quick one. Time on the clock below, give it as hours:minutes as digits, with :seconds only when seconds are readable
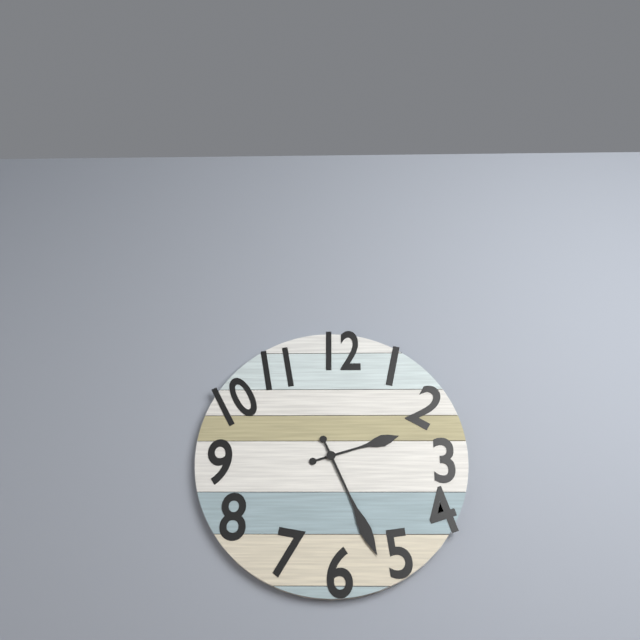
2:26
